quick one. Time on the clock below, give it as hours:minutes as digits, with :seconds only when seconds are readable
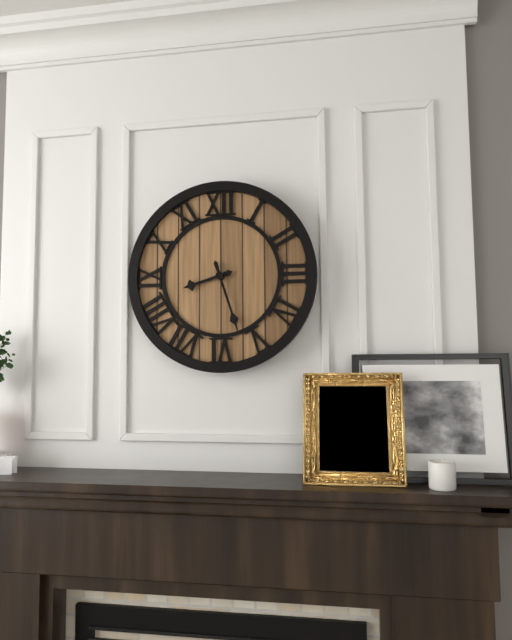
8:27
